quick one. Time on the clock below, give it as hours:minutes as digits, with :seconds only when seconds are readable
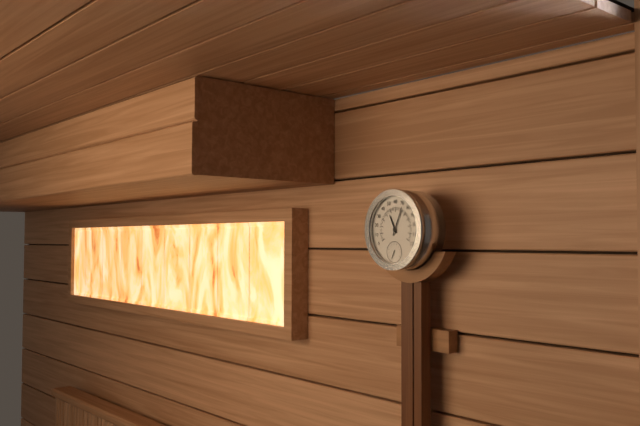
11:04
